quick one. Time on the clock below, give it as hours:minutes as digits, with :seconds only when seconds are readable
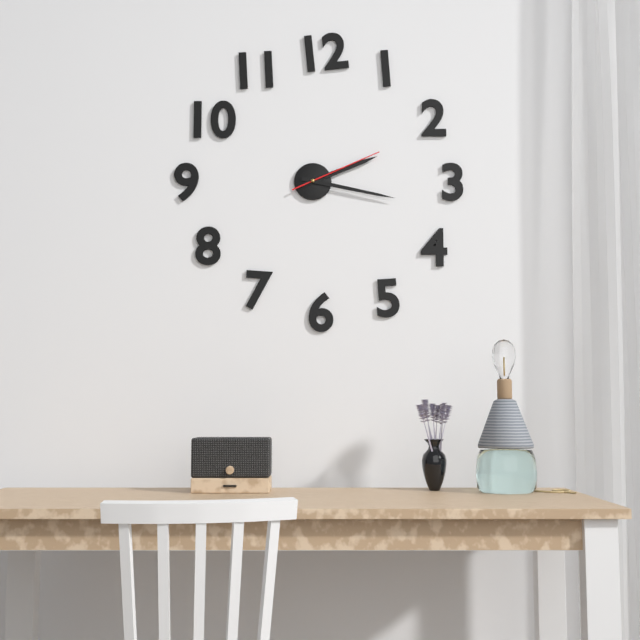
2:17:11
